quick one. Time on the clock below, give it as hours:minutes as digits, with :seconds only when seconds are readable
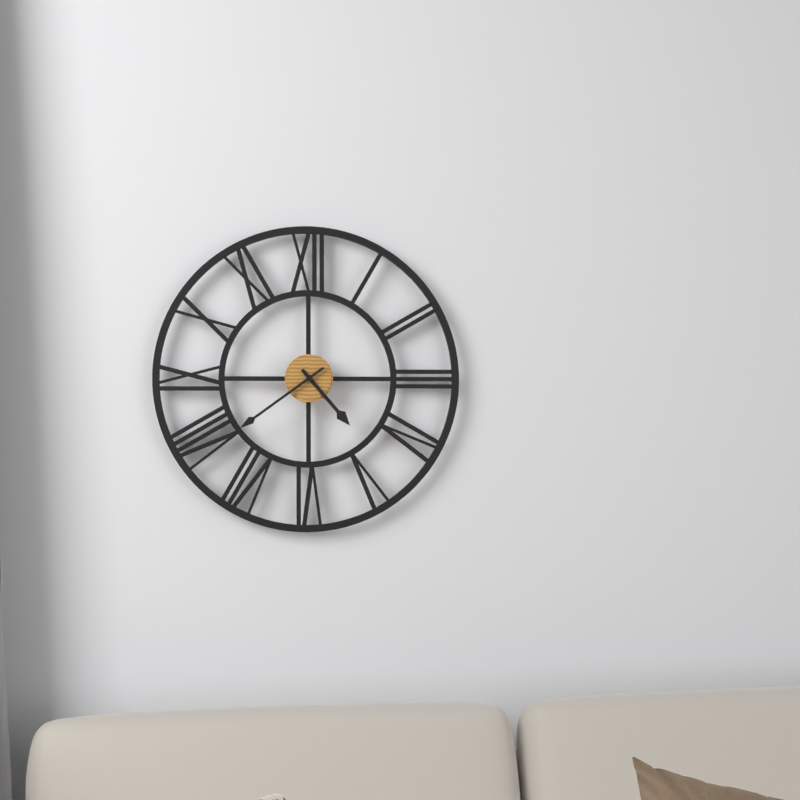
4:39
